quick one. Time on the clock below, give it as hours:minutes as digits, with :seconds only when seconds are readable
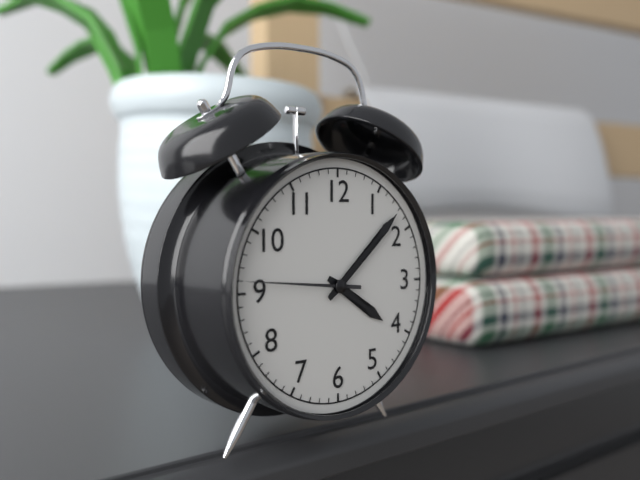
4:08:46
